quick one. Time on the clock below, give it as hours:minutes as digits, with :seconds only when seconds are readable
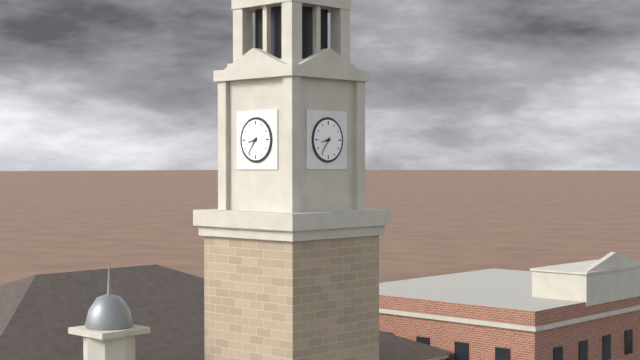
8:36
